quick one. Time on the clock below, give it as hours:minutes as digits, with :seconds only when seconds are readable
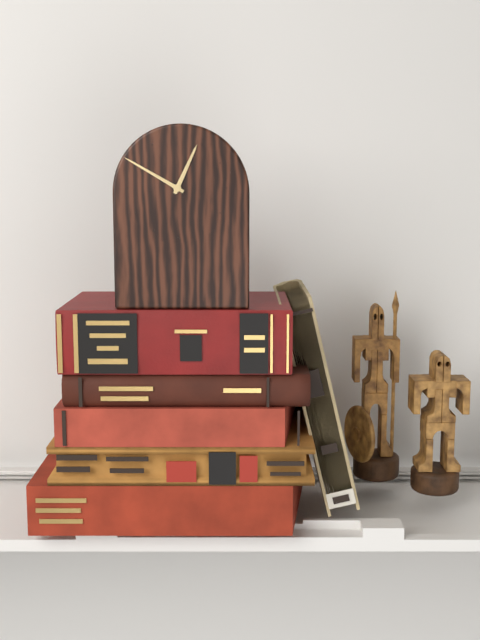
12:50
